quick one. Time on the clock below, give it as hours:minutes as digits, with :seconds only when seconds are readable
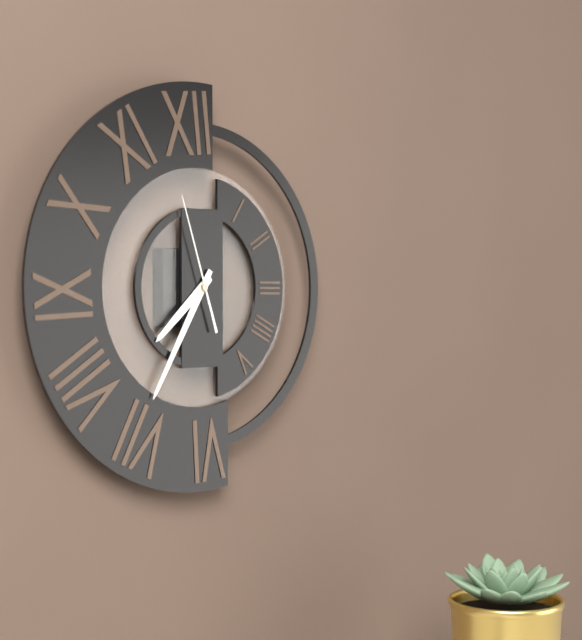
7:35:57
